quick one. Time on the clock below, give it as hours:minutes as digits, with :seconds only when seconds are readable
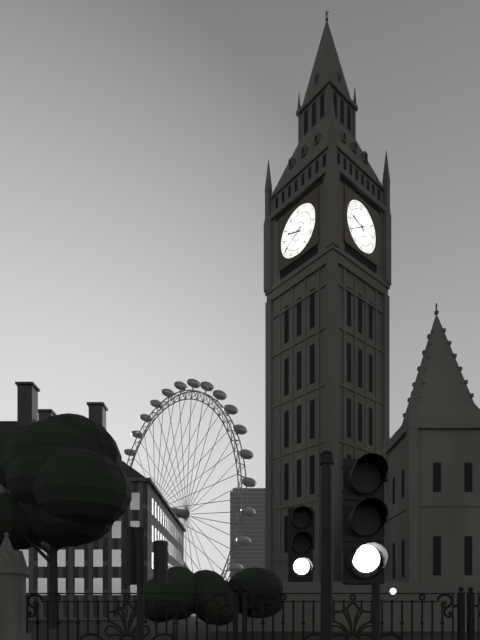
9:40
